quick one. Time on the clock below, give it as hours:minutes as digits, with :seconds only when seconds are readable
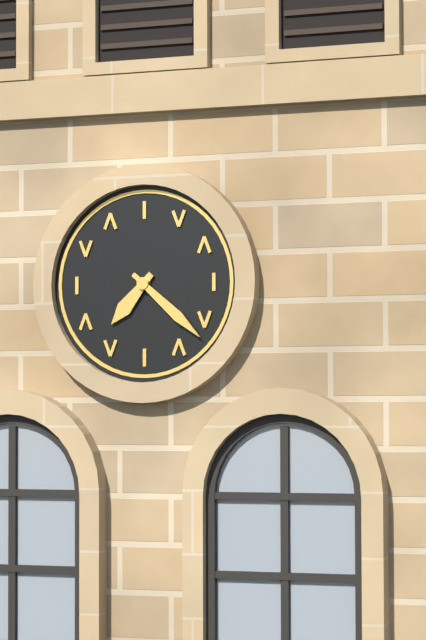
7:22
